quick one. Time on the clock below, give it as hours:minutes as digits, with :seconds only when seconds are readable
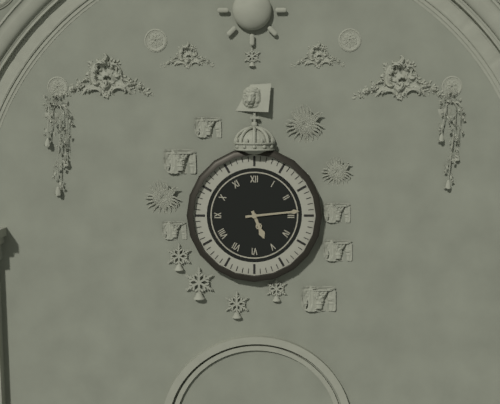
5:14
